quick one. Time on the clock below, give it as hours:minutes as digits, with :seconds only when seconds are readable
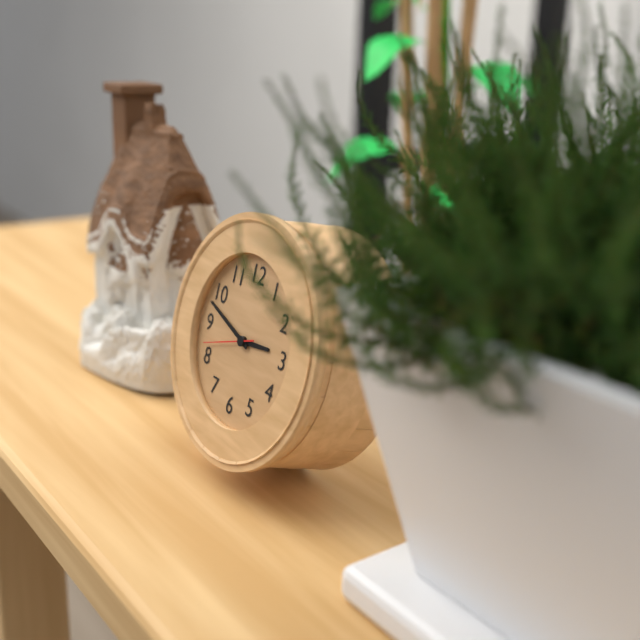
2:48
